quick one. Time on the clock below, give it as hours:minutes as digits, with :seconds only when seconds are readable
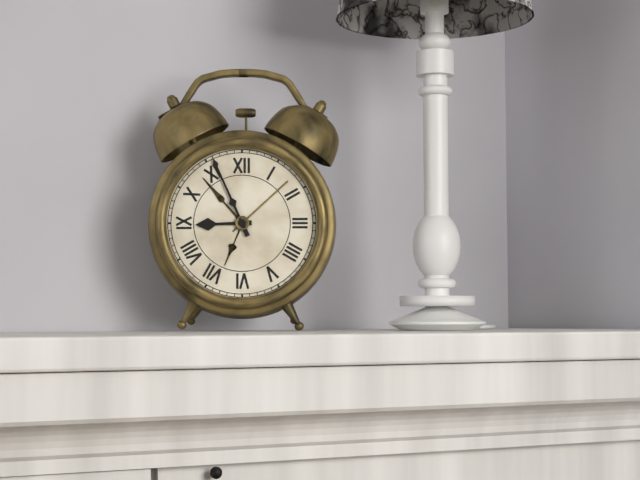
8:56
